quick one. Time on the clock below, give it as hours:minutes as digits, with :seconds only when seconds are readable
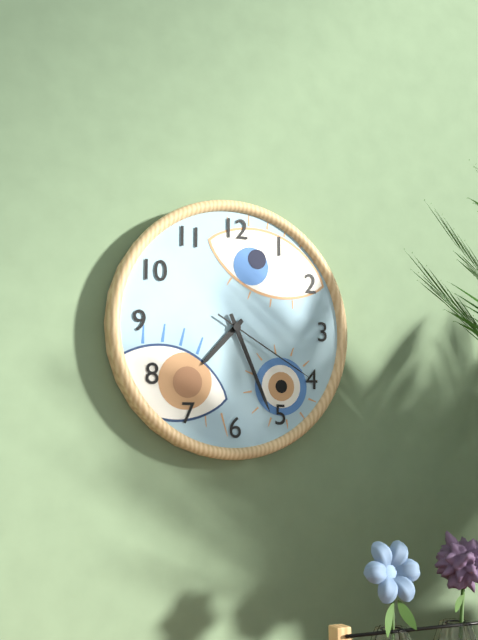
7:26:20
